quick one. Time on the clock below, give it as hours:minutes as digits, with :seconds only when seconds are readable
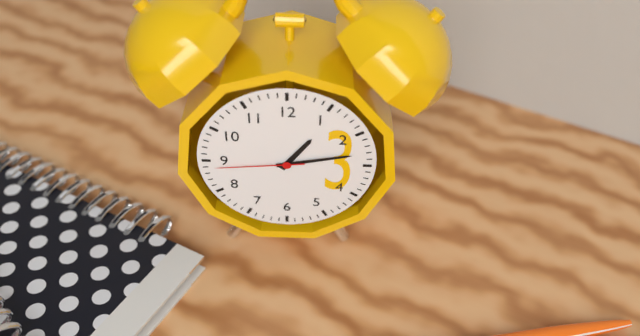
1:13:44
